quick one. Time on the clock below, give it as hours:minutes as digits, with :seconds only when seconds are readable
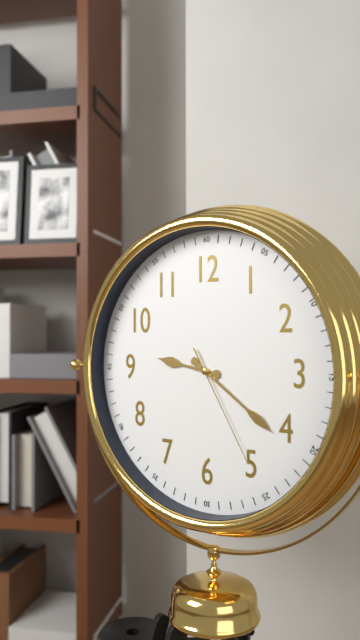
9:21:25
